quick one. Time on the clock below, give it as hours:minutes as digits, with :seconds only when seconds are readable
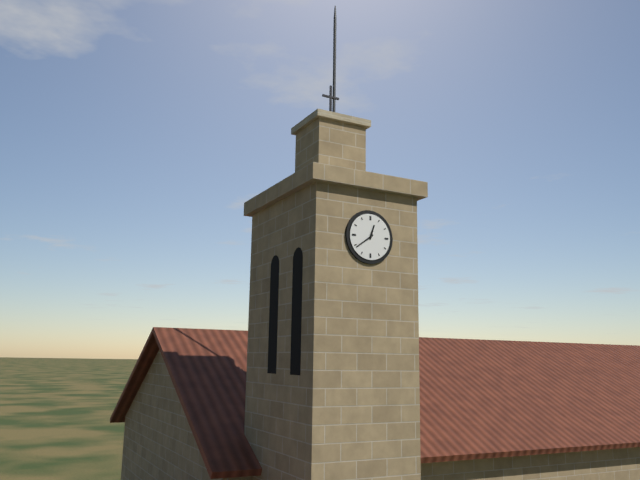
12:39
